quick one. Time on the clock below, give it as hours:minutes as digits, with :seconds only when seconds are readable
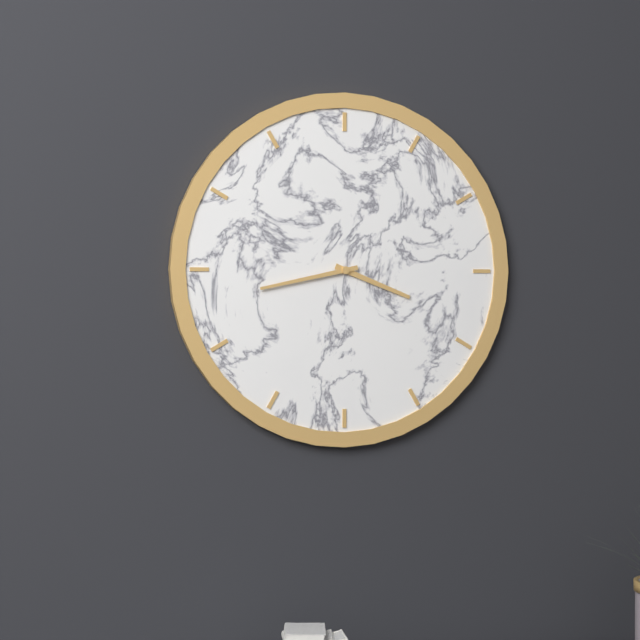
3:43
